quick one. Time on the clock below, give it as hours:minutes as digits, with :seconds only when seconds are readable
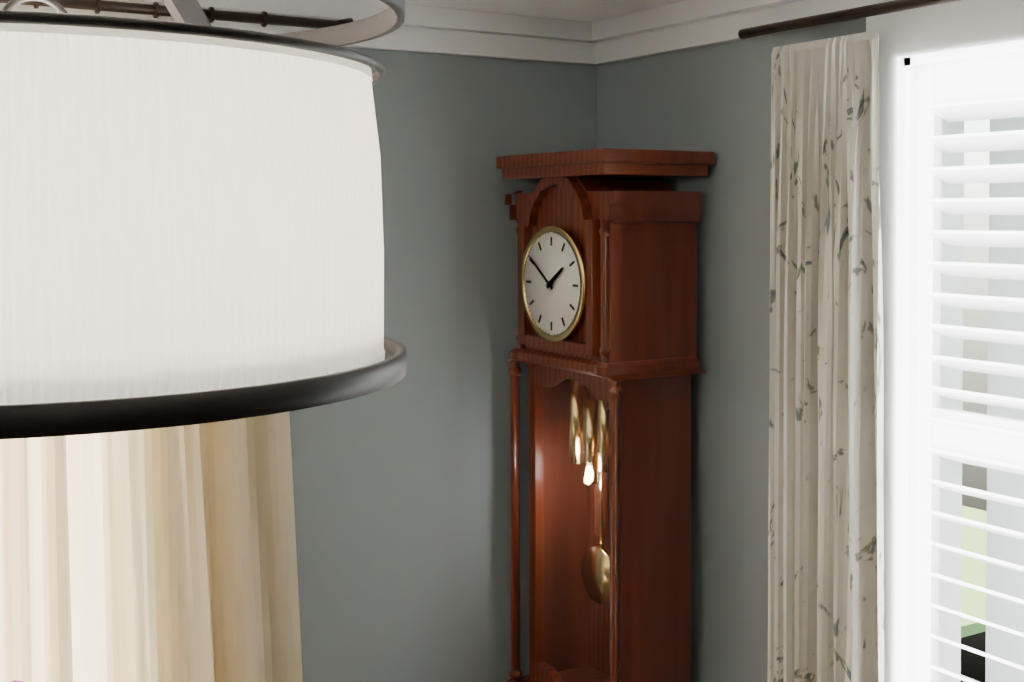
1:51
